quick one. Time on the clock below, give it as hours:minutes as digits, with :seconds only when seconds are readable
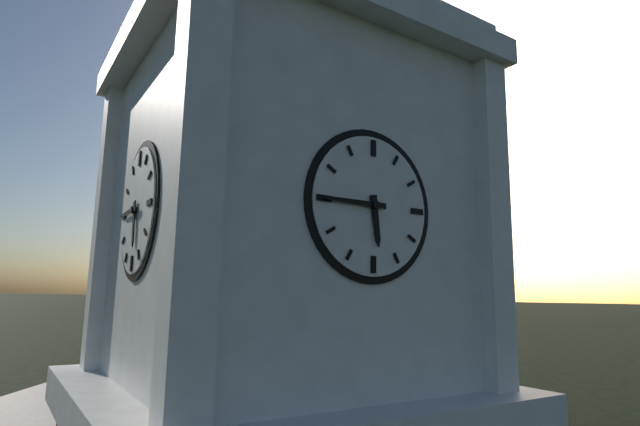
5:45
